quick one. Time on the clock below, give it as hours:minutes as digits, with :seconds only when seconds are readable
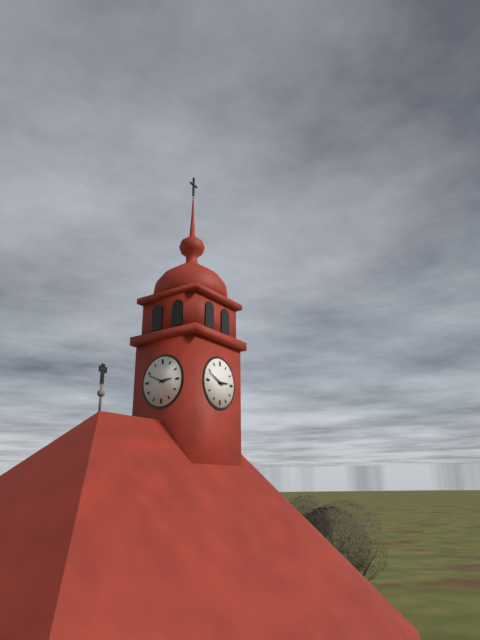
2:49
